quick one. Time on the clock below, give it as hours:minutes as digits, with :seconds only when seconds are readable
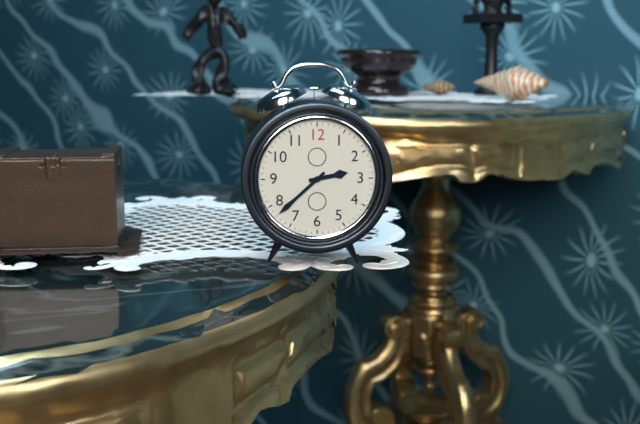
2:38
